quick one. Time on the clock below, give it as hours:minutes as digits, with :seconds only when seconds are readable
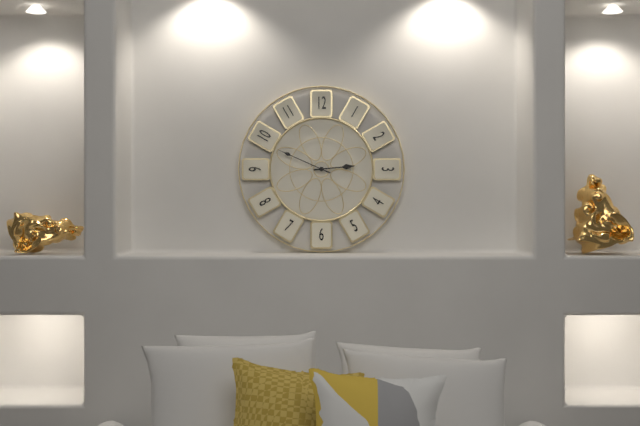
2:49
